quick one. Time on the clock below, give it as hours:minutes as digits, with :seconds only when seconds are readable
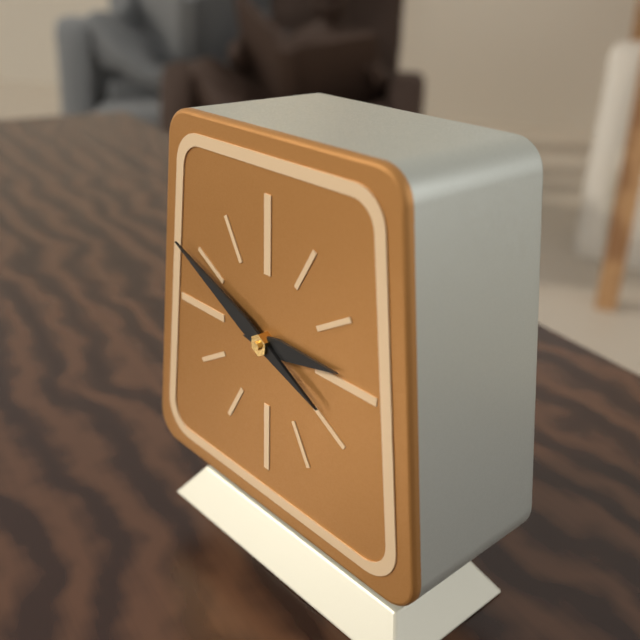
2:49
